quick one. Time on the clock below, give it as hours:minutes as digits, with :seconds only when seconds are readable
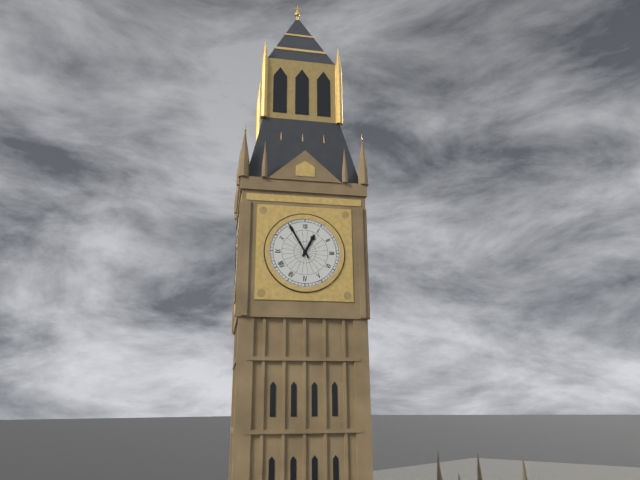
12:55
